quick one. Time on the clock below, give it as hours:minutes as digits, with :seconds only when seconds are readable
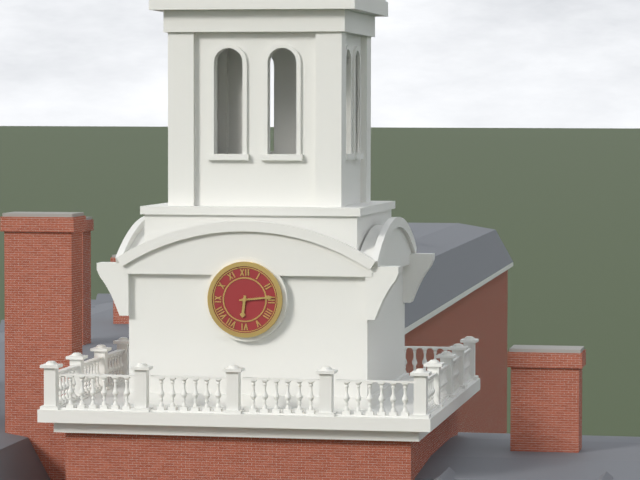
6:14
